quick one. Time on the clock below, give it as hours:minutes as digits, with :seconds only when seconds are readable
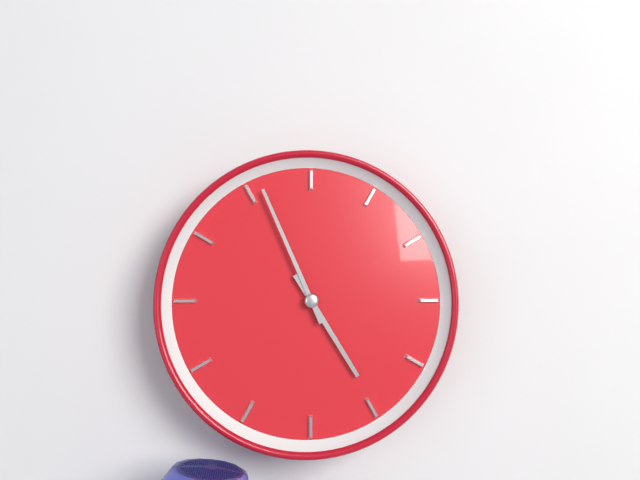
4:56
